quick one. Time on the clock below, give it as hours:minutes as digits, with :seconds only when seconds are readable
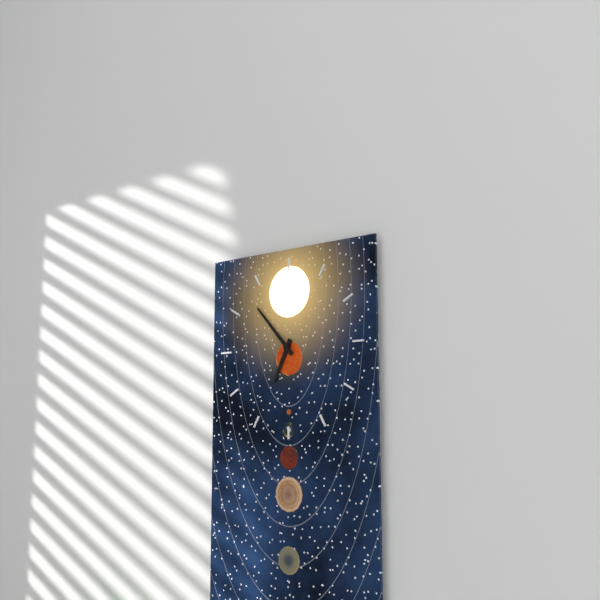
6:53
